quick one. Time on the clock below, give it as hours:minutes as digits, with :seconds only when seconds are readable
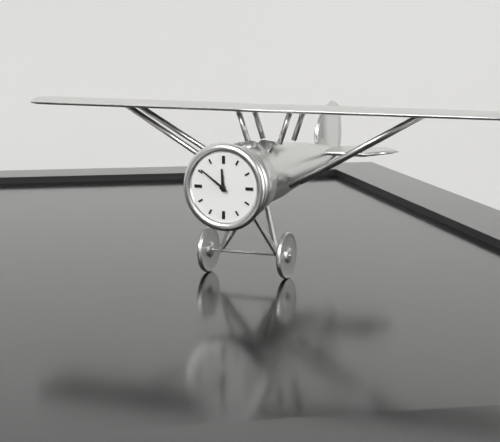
11:51
